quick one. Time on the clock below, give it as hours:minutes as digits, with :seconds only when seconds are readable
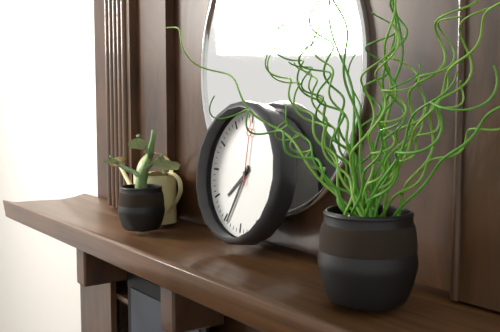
7:34:00
